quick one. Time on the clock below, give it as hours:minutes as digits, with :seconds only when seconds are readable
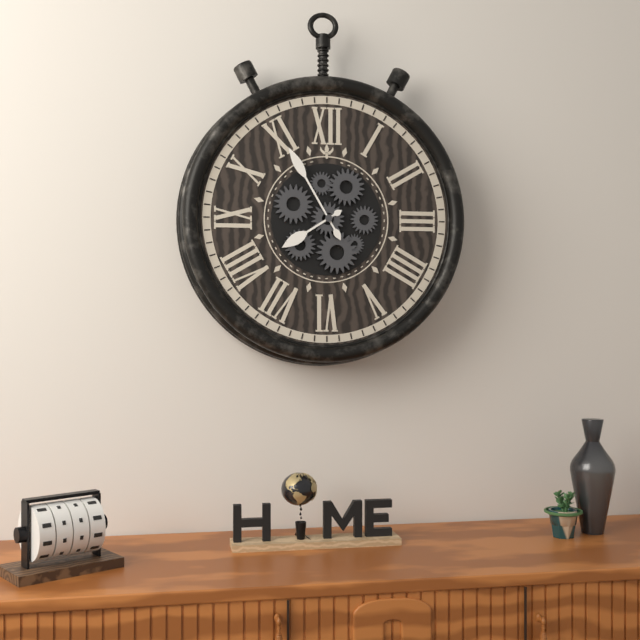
7:55
